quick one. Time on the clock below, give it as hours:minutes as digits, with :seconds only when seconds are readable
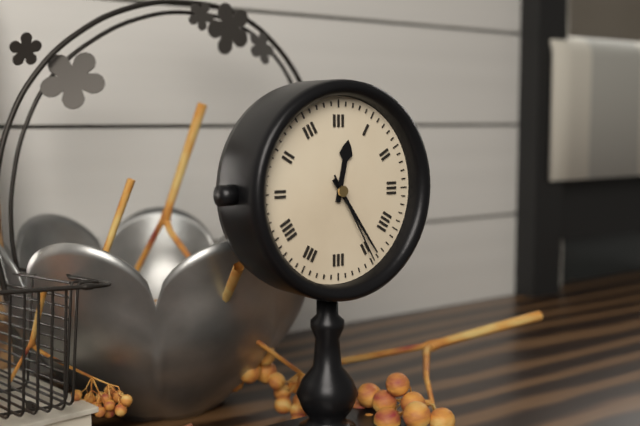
12:24:25
